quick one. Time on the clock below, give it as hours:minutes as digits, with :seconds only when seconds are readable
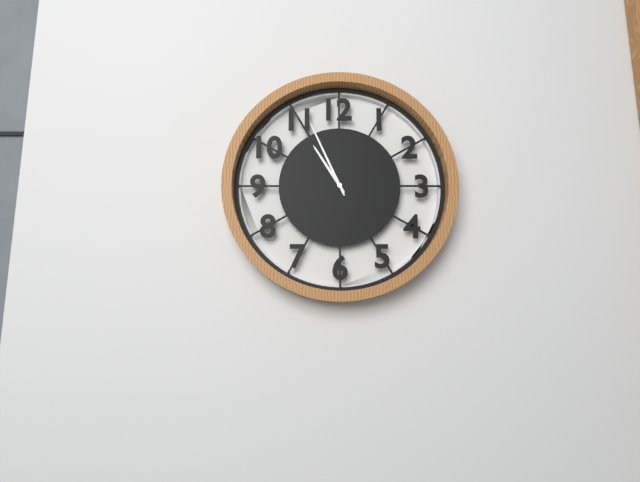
10:56
